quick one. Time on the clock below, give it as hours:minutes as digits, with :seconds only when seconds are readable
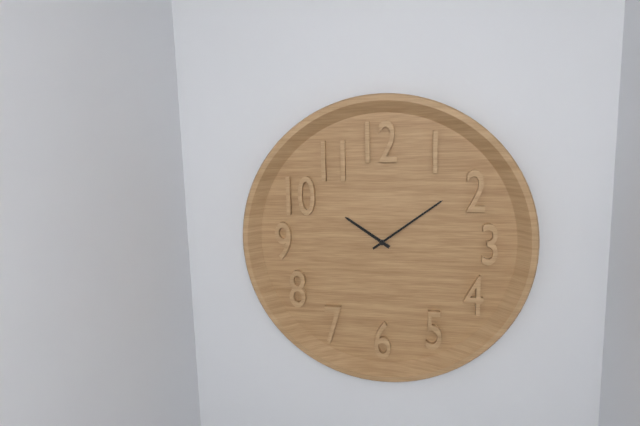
10:09
